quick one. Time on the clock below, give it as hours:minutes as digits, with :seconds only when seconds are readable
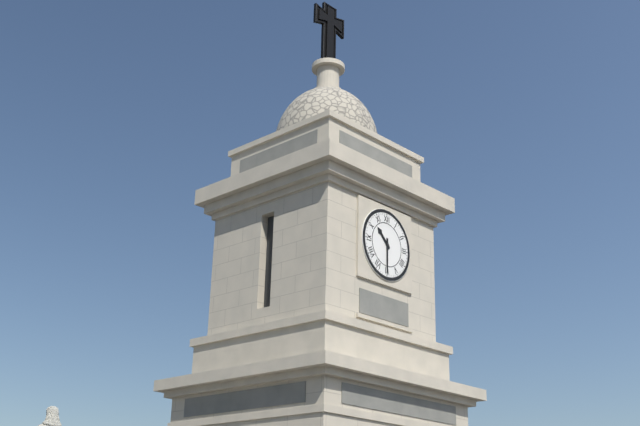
10:30
